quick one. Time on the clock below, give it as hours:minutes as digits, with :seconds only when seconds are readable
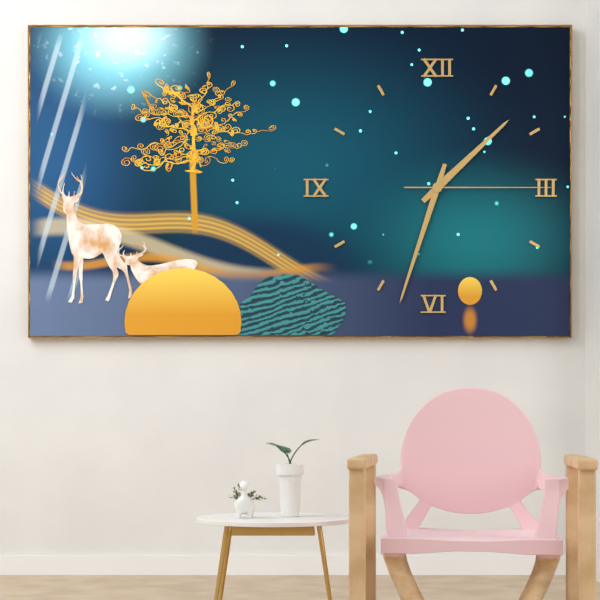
1:33:15
